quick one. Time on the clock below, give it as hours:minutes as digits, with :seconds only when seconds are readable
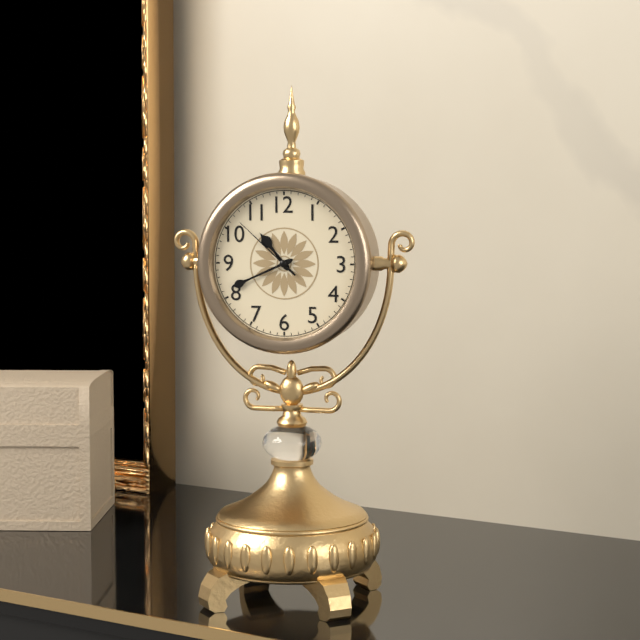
10:41:52
